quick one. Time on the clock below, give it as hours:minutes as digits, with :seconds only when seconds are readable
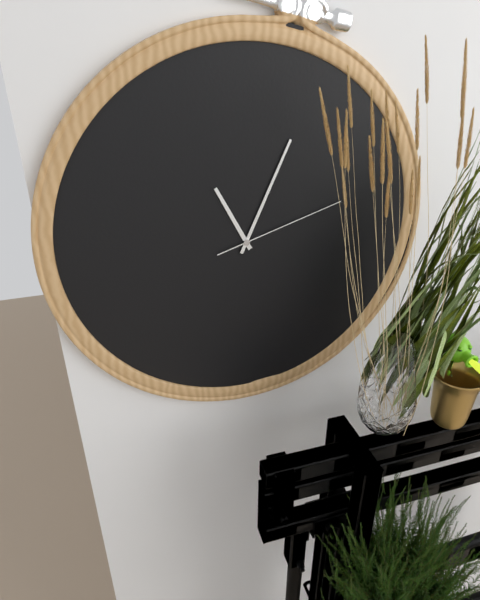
11:04:12
